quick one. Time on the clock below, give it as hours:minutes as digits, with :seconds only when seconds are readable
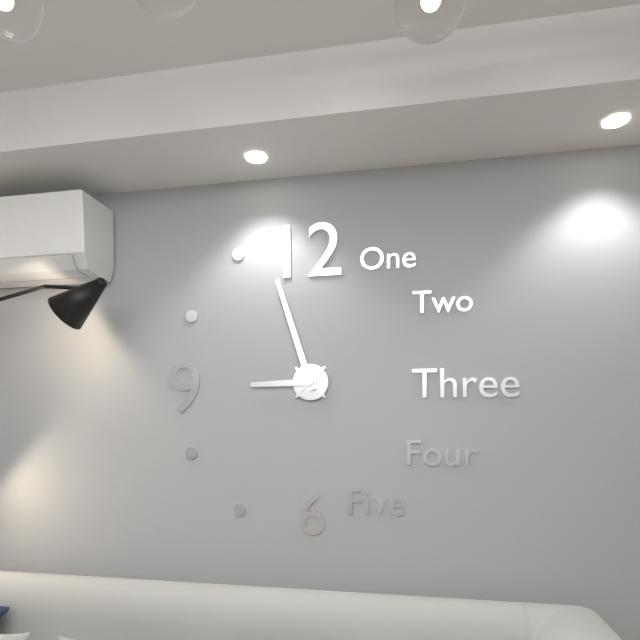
8:57
